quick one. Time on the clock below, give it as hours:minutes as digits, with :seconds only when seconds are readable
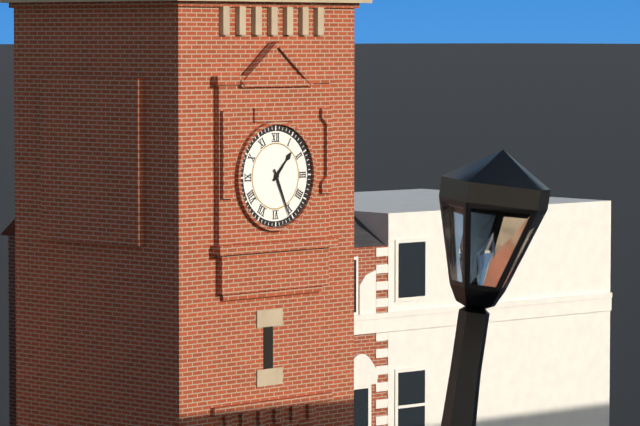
1:26
